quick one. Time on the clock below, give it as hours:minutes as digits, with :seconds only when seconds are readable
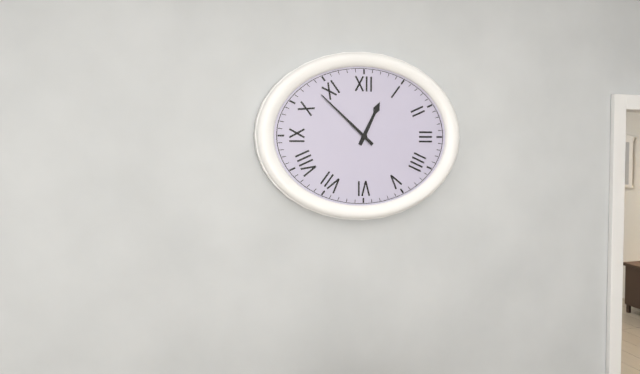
12:52
